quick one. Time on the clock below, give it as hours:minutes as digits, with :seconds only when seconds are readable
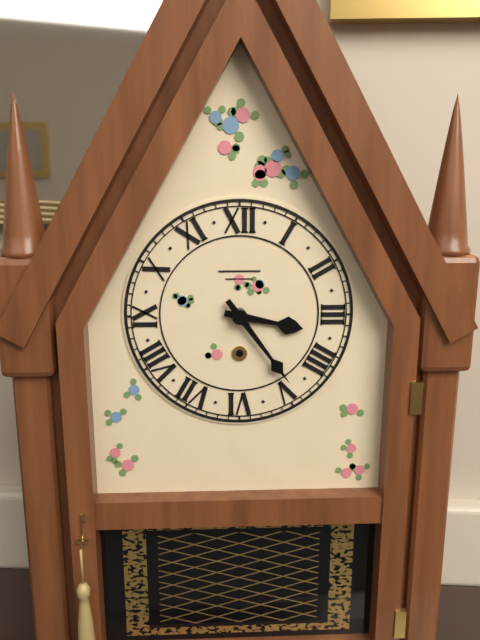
3:24
